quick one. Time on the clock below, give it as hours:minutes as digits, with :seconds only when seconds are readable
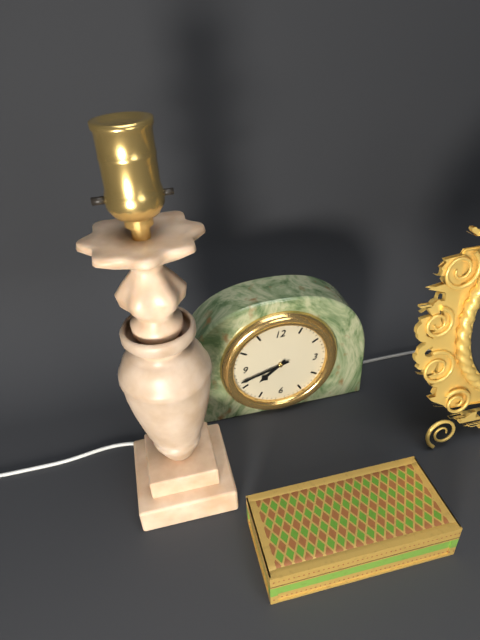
7:42
